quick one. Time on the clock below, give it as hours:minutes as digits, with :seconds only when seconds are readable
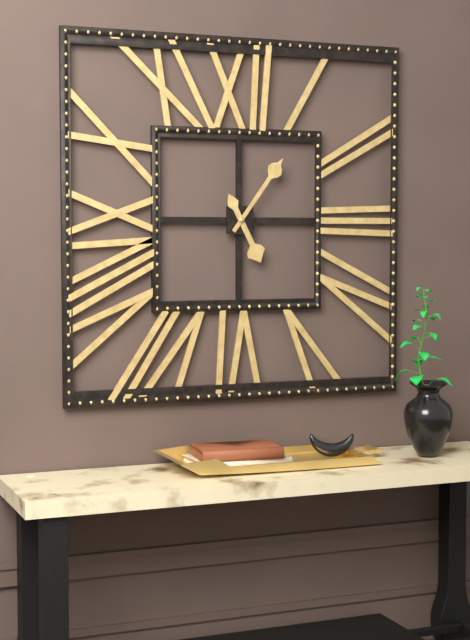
5:06
